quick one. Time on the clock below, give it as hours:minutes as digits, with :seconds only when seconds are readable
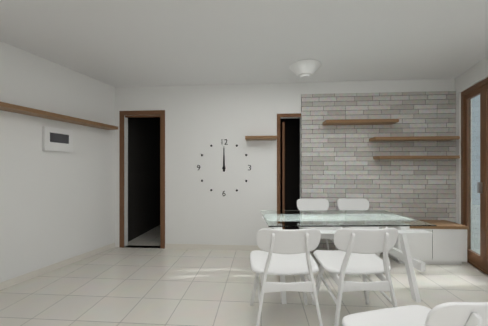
12:00
